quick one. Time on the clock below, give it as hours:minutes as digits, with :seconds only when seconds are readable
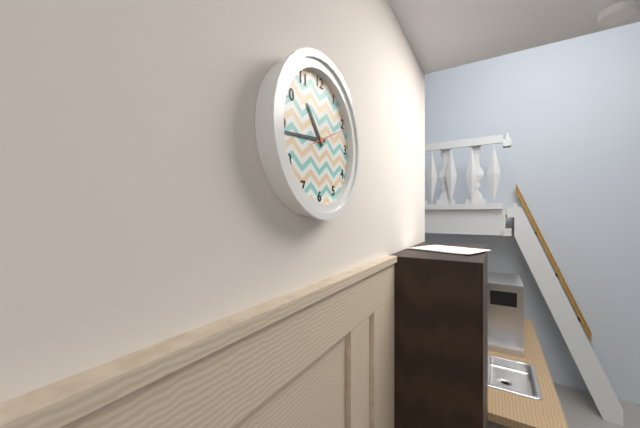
10:44
